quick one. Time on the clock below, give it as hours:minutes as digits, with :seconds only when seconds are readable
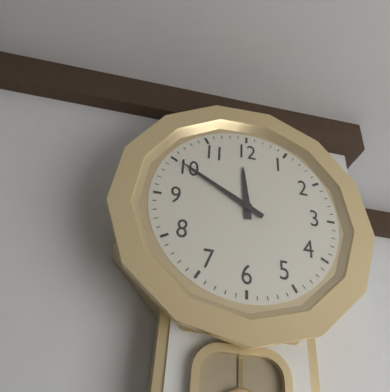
11:50
